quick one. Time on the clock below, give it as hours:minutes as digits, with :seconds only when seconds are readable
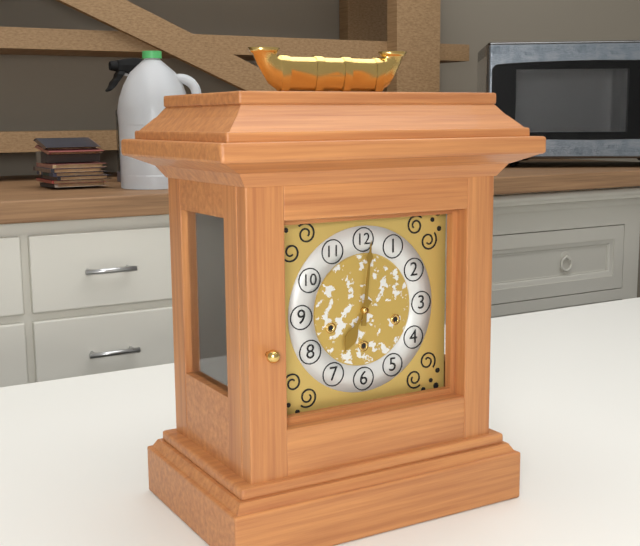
7:01
